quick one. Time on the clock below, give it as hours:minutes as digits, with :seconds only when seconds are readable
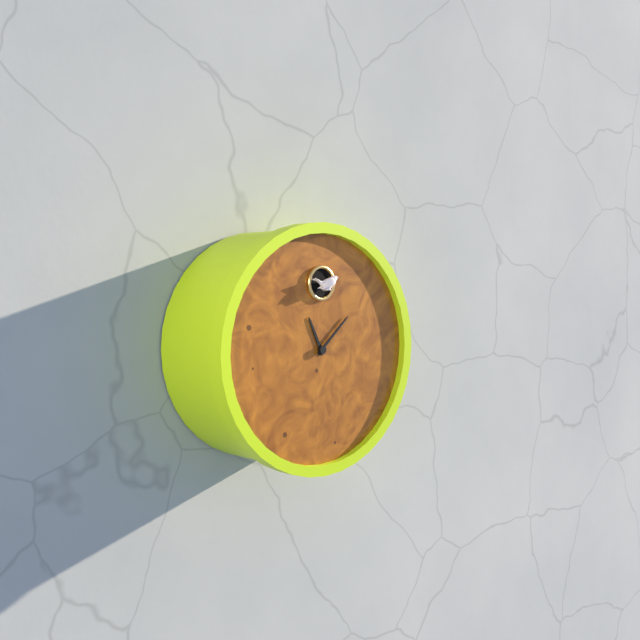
11:08
